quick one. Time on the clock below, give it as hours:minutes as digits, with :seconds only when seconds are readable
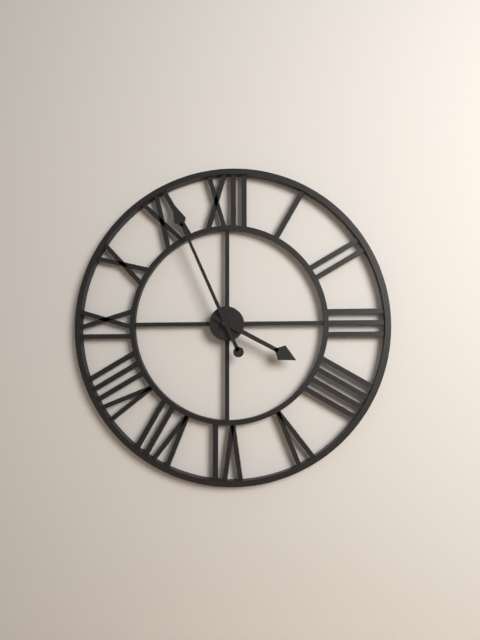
3:56
